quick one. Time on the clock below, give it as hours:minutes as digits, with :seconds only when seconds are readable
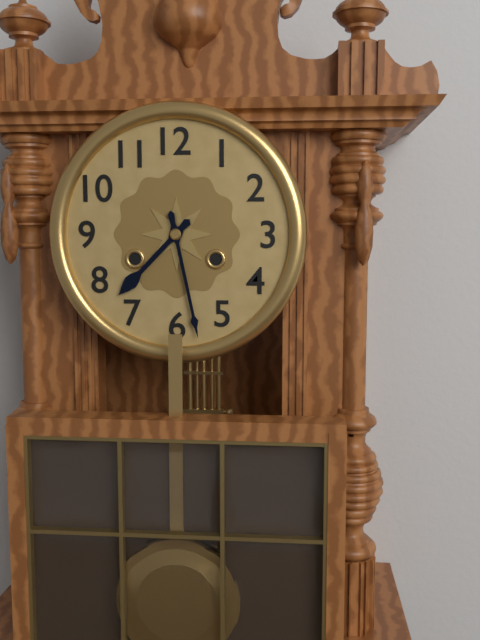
7:28
